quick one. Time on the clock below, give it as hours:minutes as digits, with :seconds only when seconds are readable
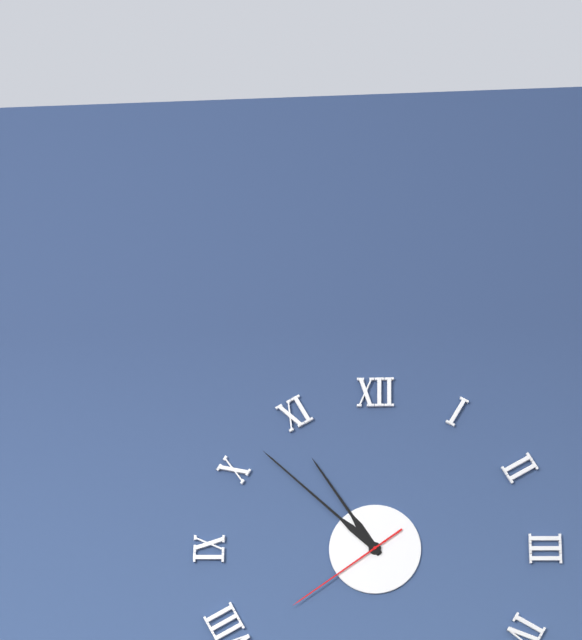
10:52:39
